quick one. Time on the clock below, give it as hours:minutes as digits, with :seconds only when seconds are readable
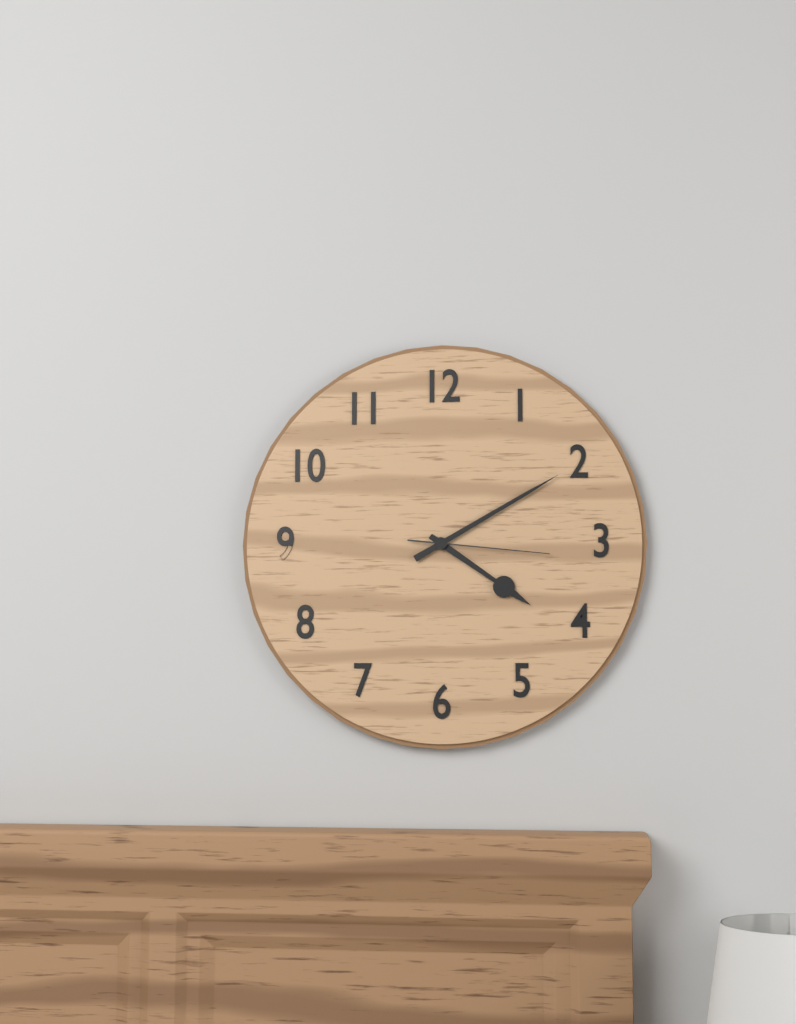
4:10:16
